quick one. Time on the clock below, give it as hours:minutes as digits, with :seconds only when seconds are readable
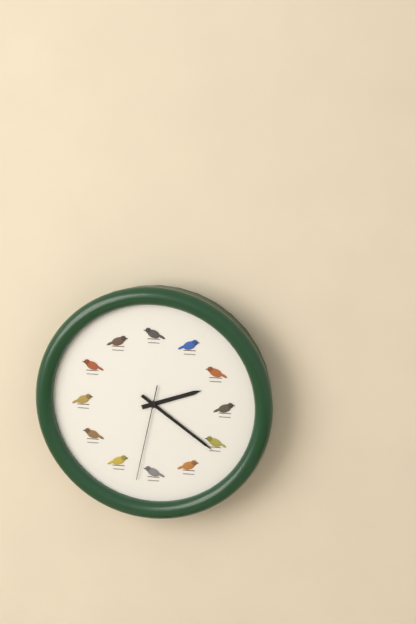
2:21:32
